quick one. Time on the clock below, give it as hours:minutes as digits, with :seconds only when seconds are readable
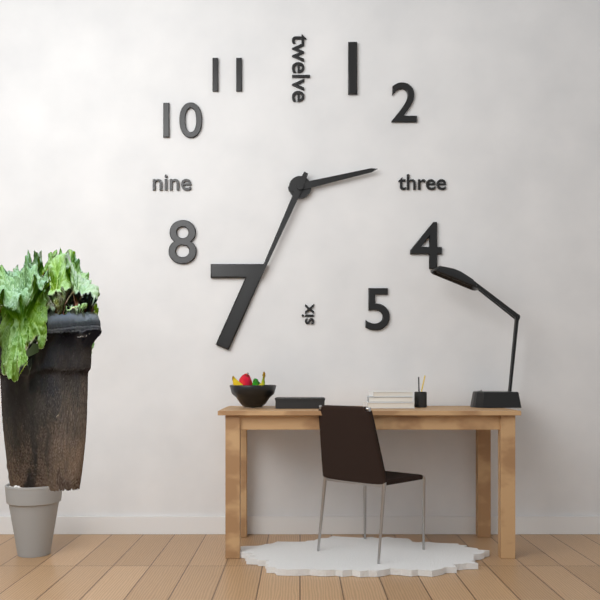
2:34
